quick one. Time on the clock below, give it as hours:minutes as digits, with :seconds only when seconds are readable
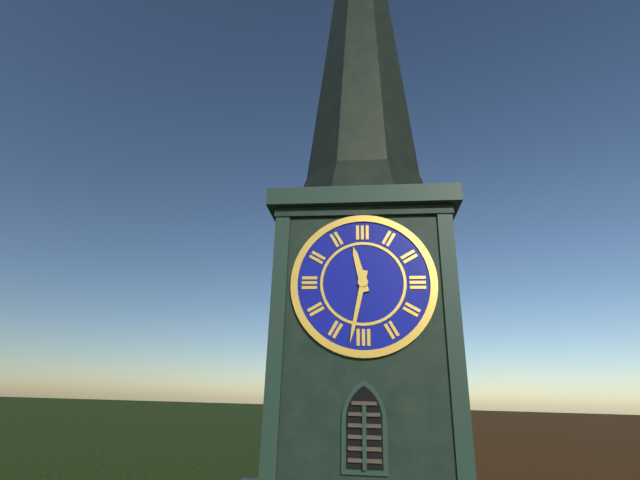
11:32
